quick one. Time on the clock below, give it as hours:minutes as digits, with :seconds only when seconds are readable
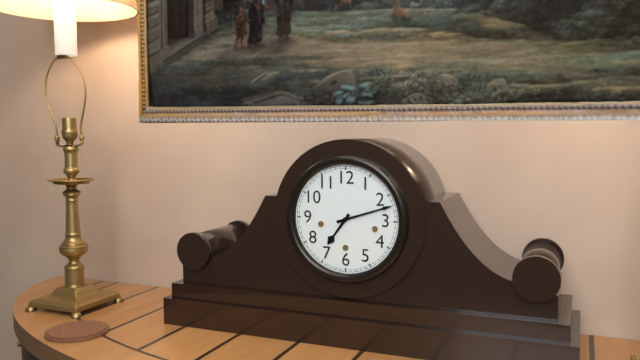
7:12
